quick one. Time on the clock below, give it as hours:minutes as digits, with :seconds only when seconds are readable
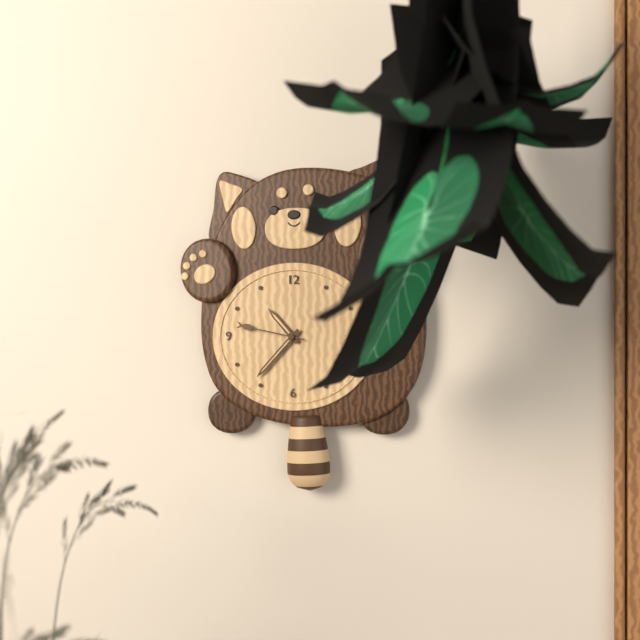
10:37:47
